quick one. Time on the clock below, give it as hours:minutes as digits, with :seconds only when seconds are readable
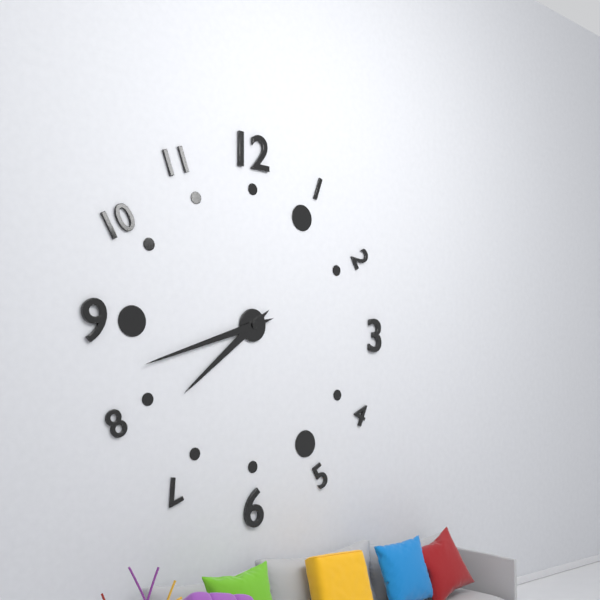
7:42
